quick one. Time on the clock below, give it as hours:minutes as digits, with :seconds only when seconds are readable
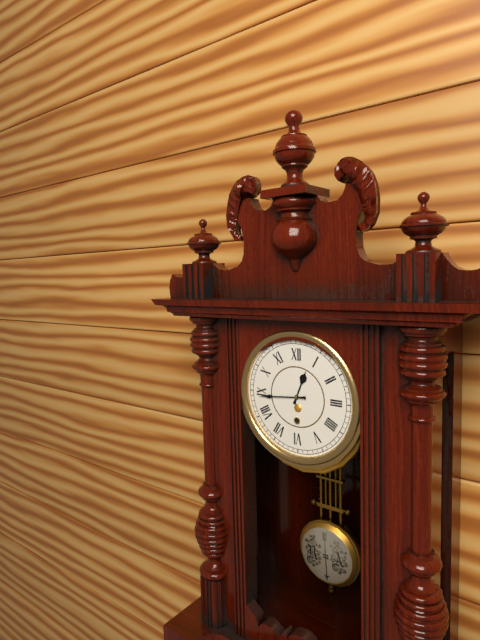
12:44
